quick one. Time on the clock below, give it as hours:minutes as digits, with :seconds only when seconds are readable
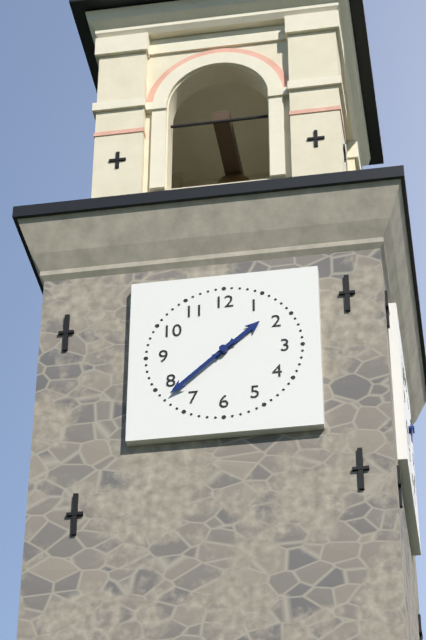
1:38
